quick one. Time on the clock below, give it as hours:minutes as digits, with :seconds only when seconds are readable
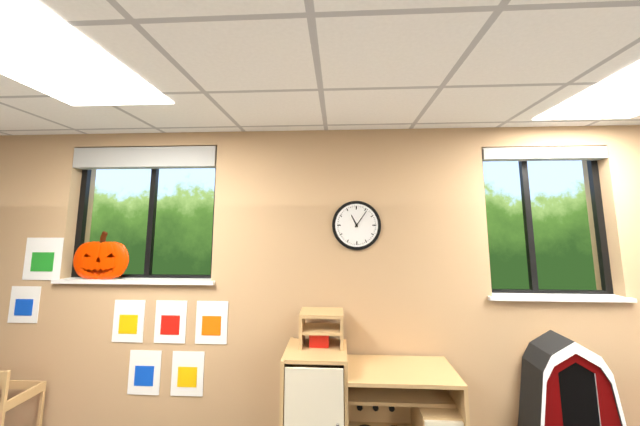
11:06
